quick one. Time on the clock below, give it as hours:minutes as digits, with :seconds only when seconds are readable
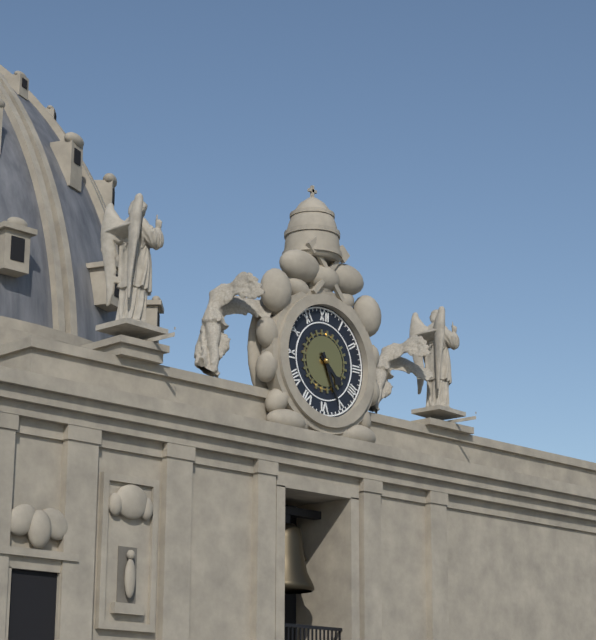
4:26
